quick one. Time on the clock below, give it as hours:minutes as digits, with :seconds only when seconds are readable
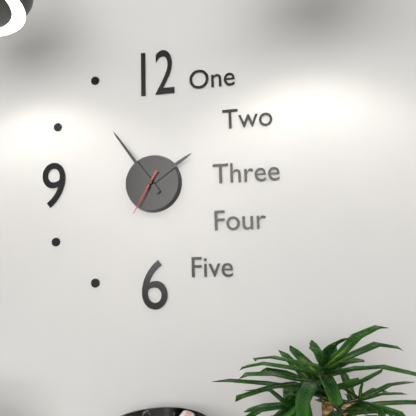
1:54
